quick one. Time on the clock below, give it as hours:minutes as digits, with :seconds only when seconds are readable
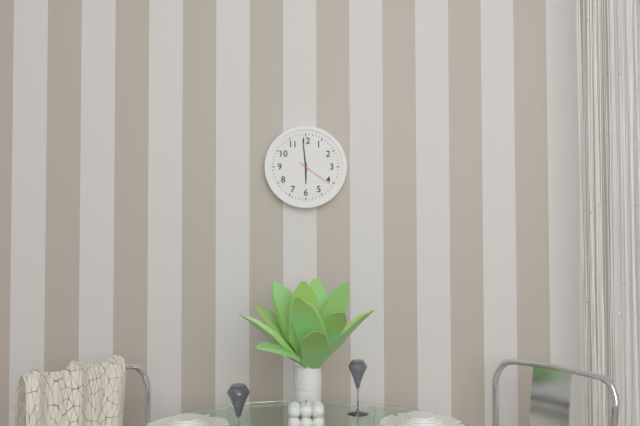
5:59
